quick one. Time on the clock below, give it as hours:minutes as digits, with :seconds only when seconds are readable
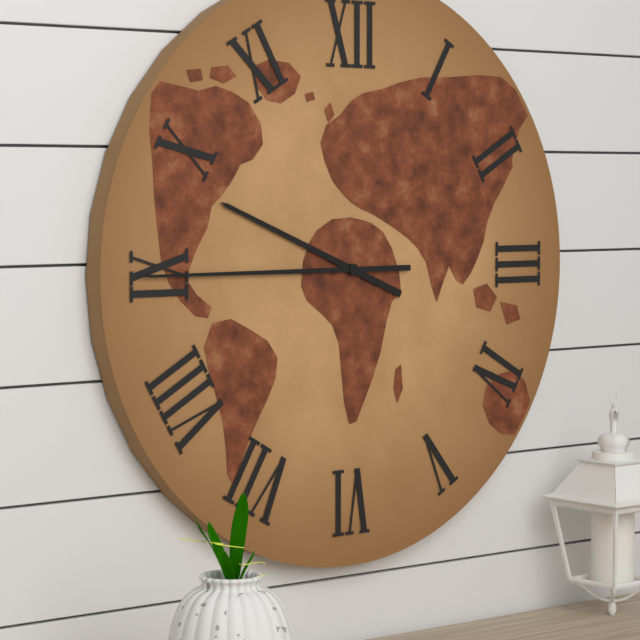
9:45
